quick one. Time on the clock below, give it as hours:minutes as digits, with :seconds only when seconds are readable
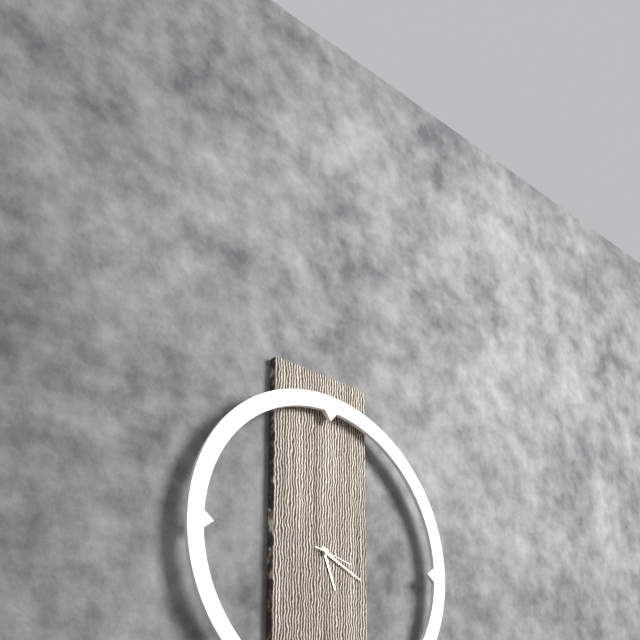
5:19
